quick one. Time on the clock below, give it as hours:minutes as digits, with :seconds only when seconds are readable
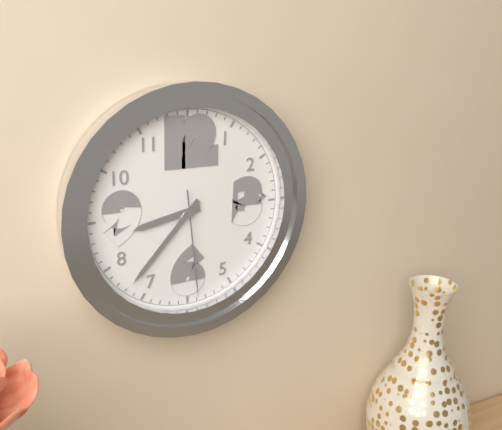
8:37:29
